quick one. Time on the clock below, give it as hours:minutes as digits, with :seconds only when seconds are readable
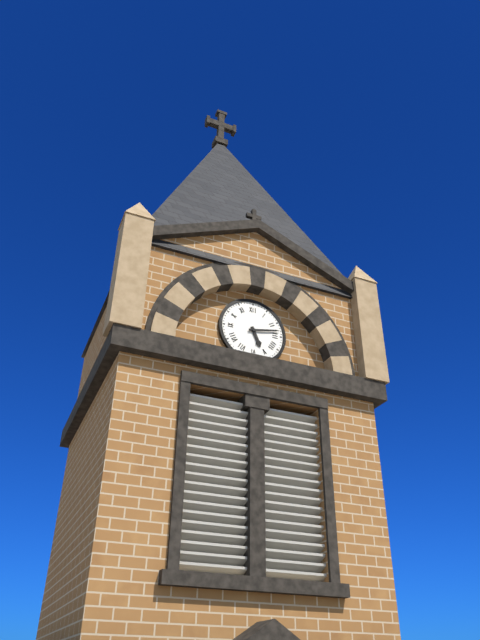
5:13
